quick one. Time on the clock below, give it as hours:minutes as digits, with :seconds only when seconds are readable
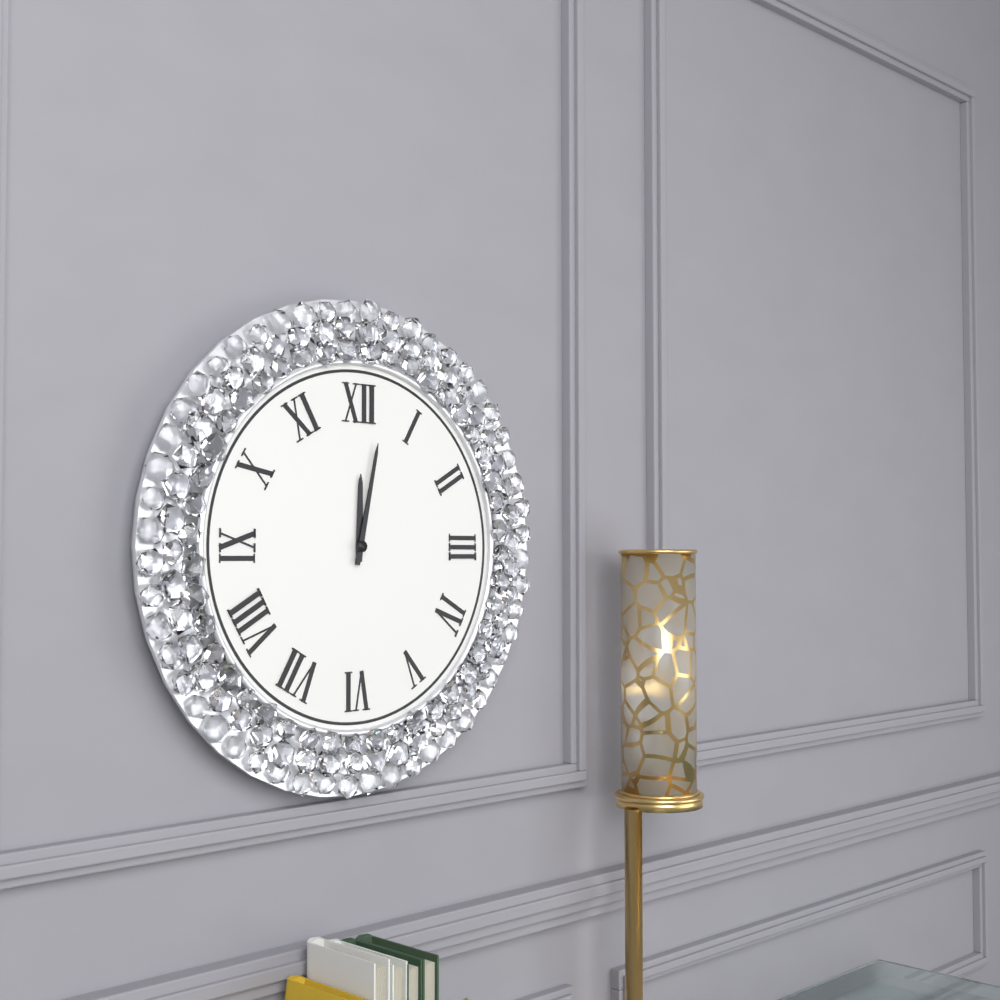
12:02
